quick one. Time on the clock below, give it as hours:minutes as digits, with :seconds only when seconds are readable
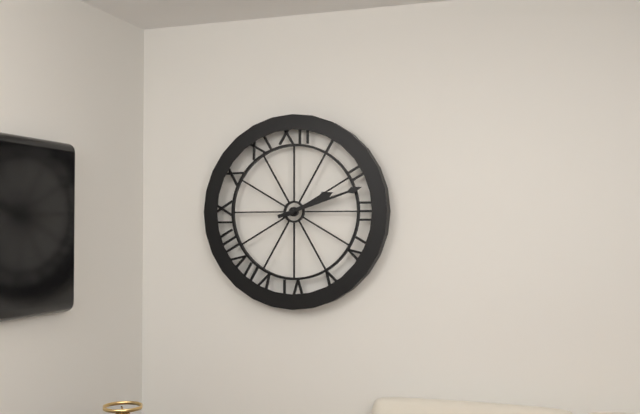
2:12
